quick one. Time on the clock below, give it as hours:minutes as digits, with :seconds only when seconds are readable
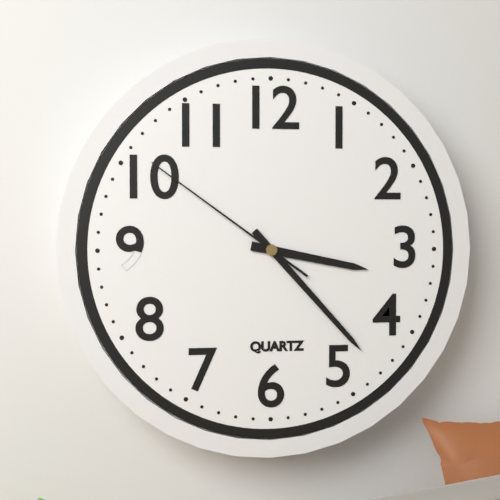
3:23:51
